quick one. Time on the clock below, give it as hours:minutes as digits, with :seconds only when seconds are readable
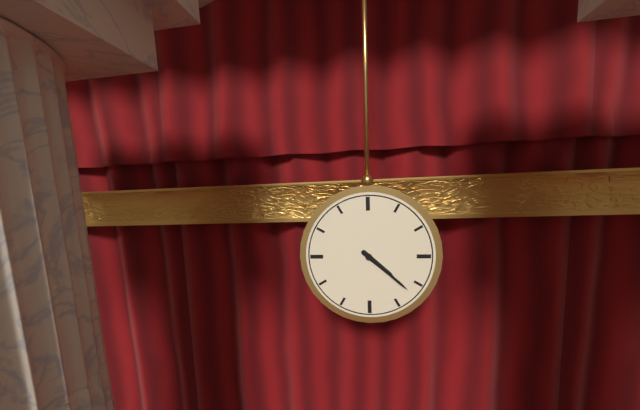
4:22
